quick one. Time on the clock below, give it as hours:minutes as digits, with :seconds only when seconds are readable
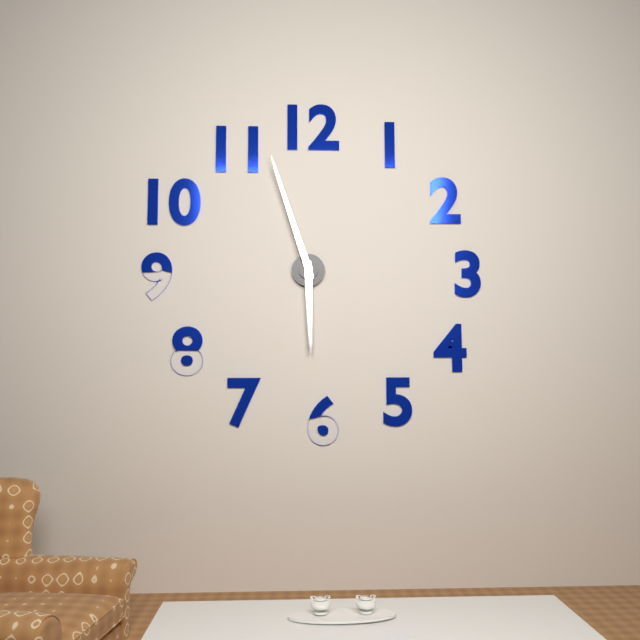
5:57
